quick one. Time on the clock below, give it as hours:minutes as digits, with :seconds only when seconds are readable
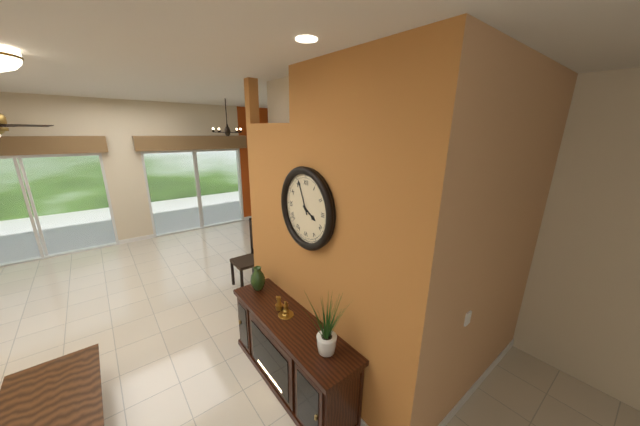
3:56
